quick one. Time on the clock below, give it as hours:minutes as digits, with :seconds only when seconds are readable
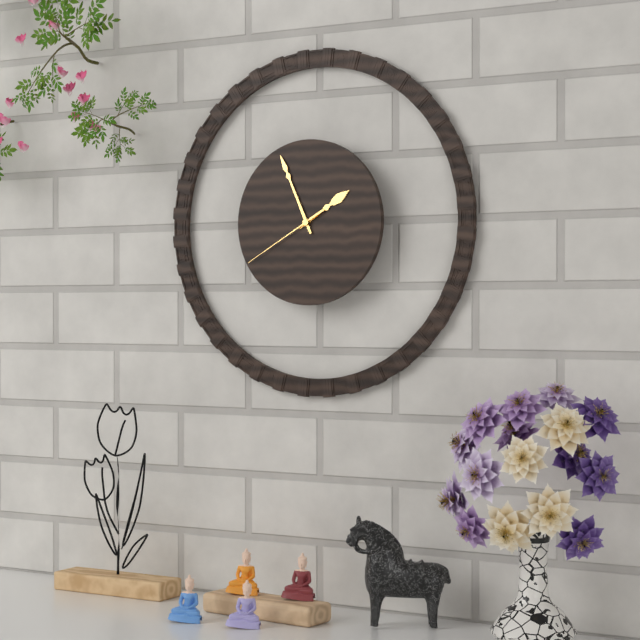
1:56:40
